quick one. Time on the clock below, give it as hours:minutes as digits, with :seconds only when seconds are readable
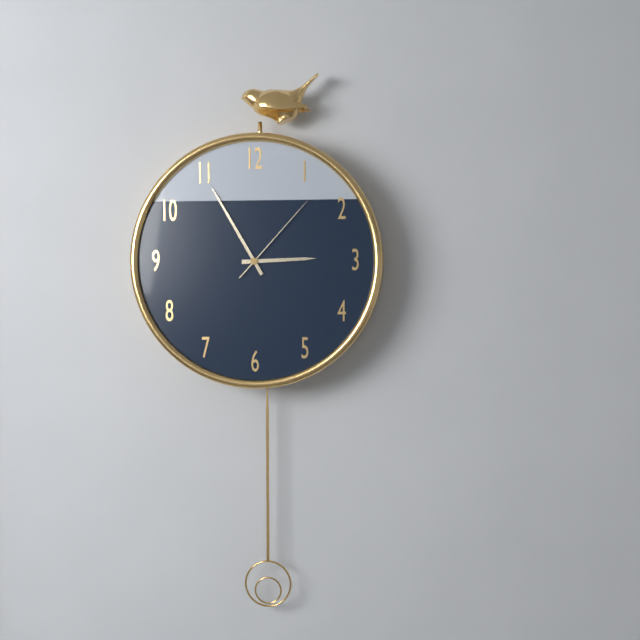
2:55:07
